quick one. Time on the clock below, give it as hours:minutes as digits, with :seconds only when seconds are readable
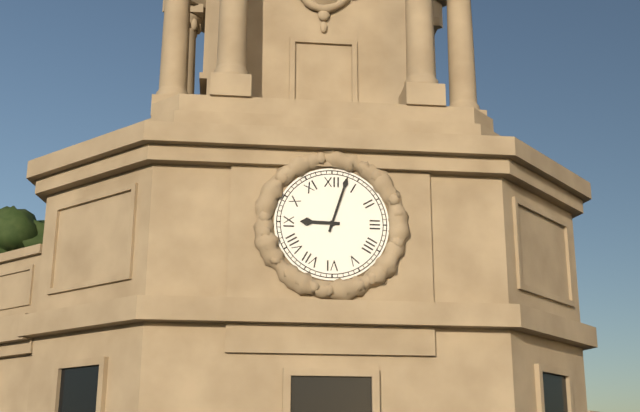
9:03
